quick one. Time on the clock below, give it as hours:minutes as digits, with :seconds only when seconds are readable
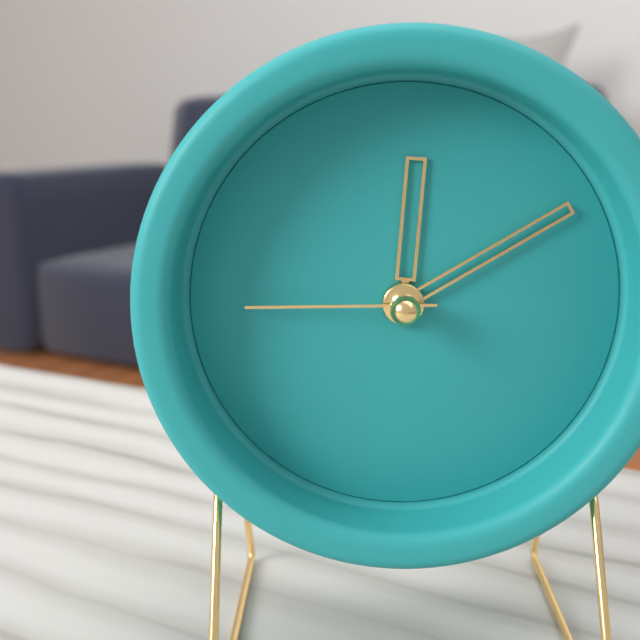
12:10:45
